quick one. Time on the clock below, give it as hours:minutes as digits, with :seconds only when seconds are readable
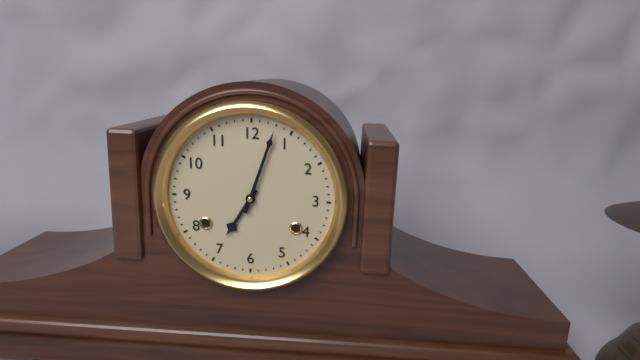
7:03
